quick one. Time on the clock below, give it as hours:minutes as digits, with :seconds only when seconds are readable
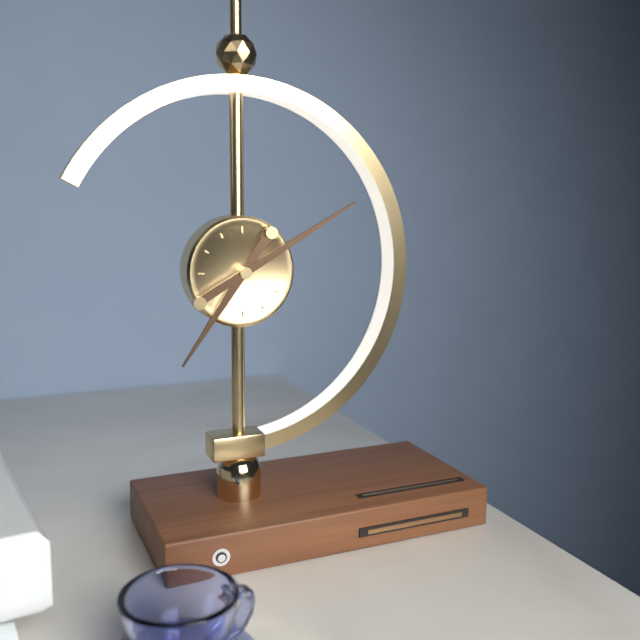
7:10
